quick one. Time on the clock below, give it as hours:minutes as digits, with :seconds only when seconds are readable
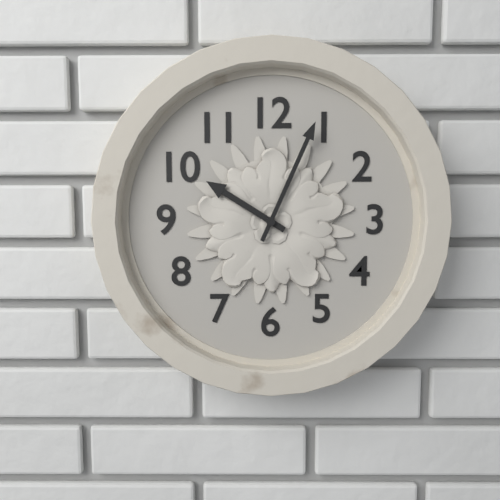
10:04
